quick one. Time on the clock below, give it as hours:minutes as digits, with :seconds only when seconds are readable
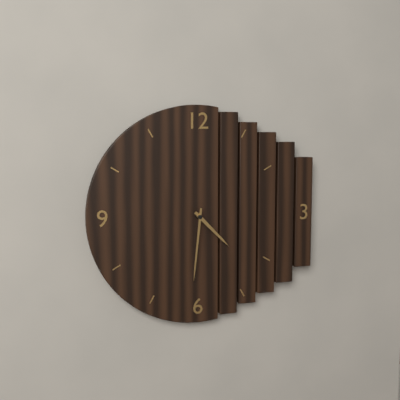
4:31
